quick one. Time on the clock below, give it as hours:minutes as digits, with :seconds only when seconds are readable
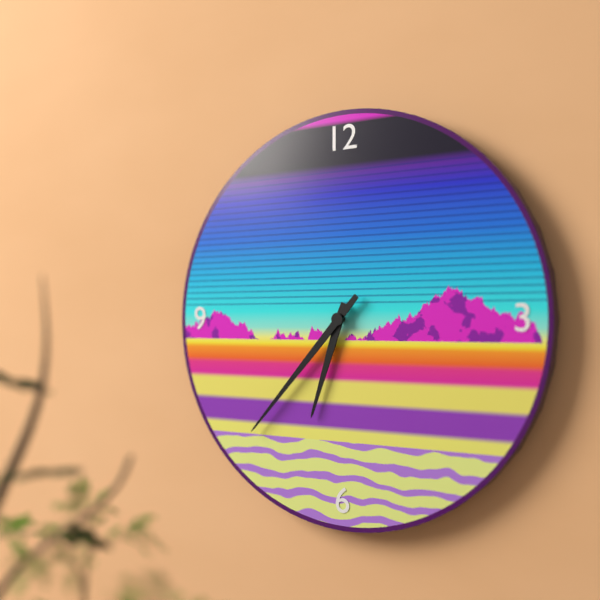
6:37
